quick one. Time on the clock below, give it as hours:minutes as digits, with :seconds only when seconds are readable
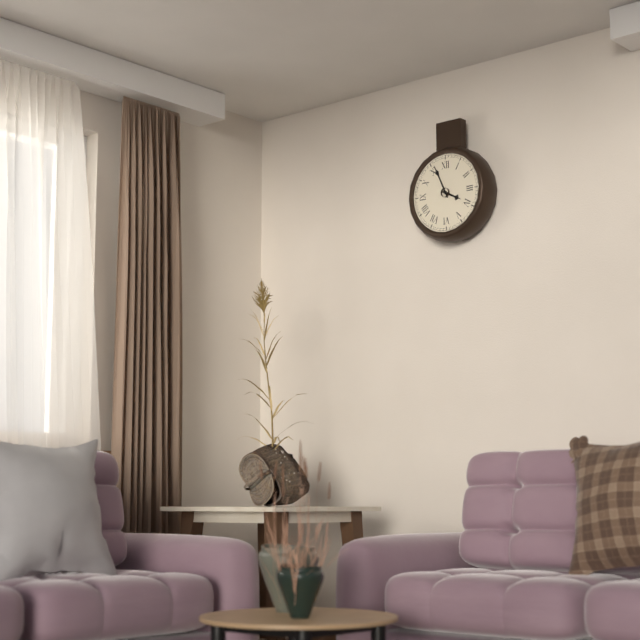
3:56
